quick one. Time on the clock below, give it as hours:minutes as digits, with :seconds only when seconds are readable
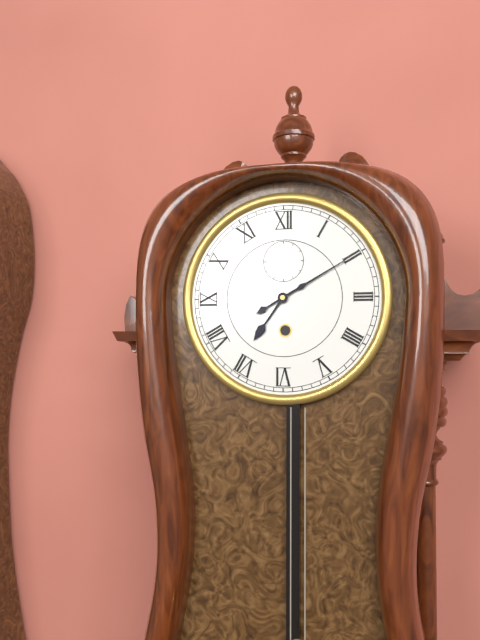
7:10
